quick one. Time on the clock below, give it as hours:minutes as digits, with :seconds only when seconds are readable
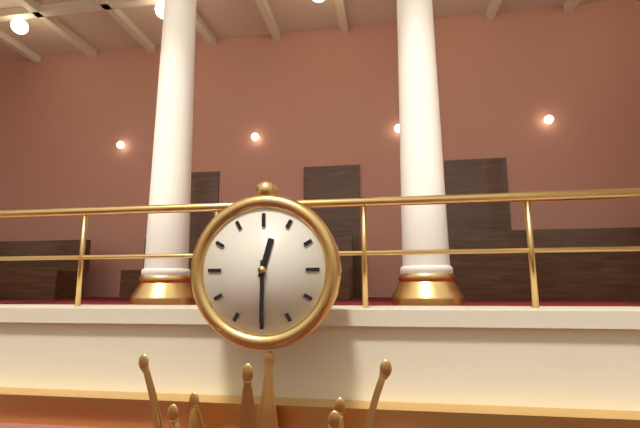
12:30
